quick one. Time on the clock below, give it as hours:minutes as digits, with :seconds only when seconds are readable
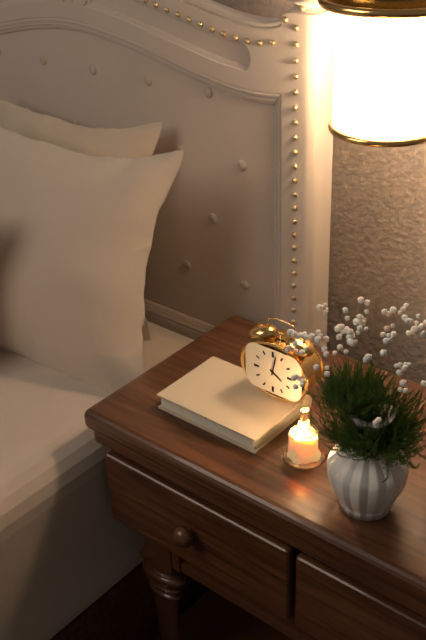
4:02
